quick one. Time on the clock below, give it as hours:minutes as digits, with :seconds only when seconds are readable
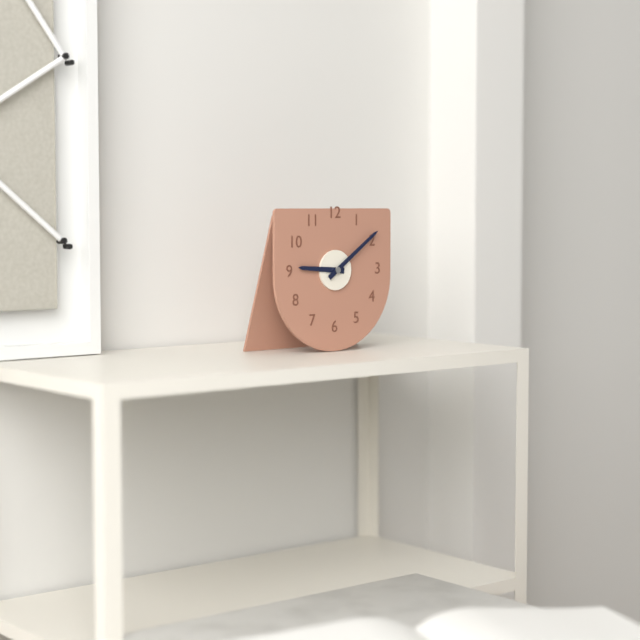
9:09
